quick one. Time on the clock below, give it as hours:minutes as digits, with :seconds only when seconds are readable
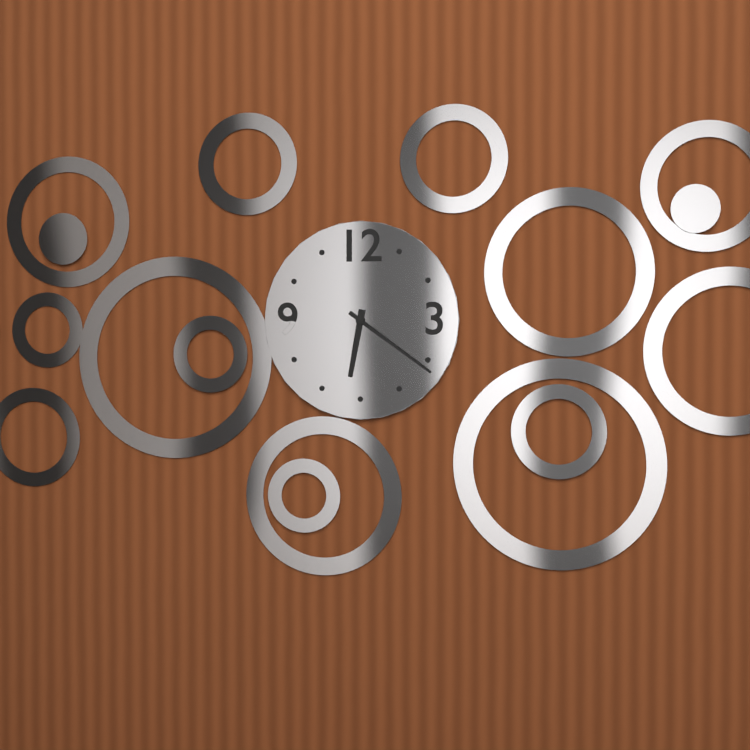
6:21
